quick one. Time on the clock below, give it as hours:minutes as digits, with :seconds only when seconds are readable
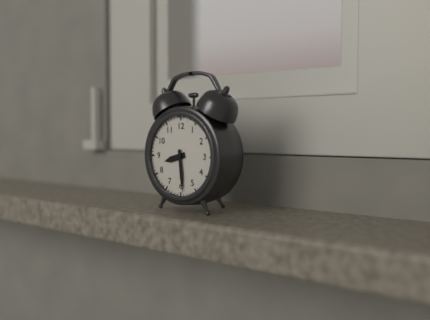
8:29
